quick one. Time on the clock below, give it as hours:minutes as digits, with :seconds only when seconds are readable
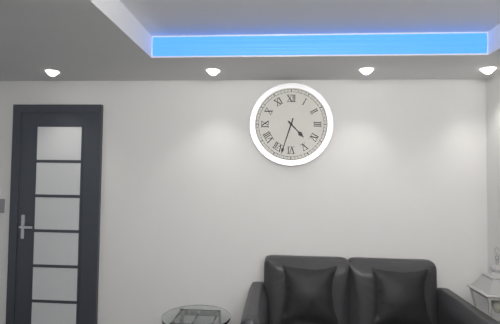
4:33
